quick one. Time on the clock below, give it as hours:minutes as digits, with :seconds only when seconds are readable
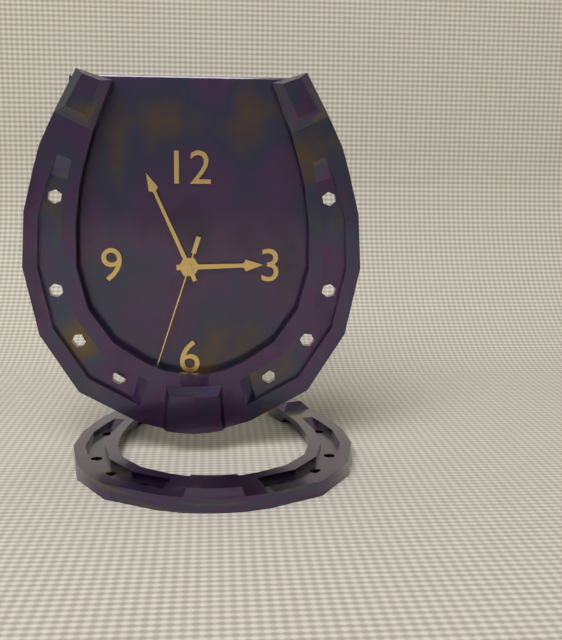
2:56:33
